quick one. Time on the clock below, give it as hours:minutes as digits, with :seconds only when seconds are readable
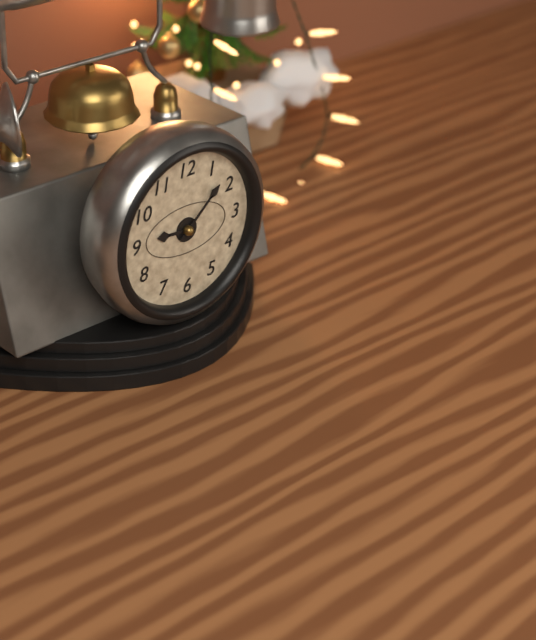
9:08
